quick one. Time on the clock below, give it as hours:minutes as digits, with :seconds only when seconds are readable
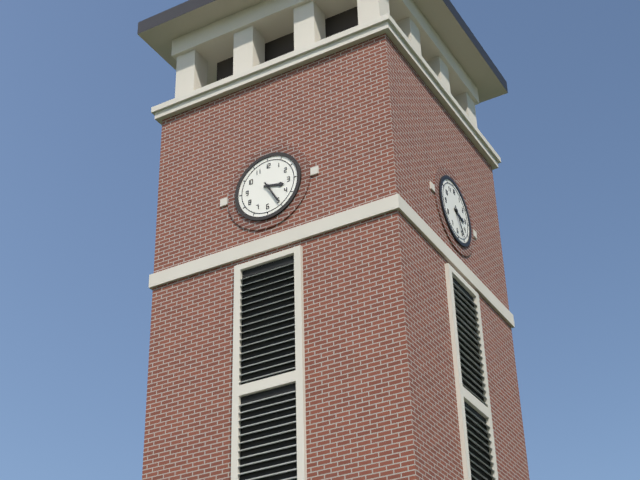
3:25
